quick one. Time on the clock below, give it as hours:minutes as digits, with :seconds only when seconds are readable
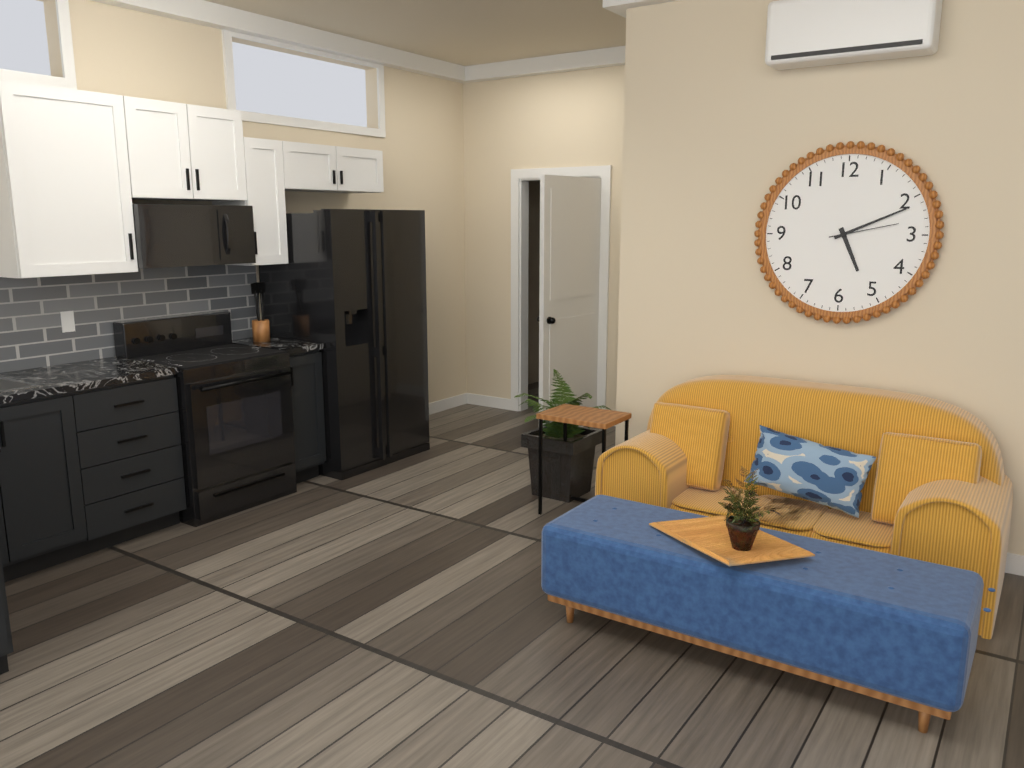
5:11:13
